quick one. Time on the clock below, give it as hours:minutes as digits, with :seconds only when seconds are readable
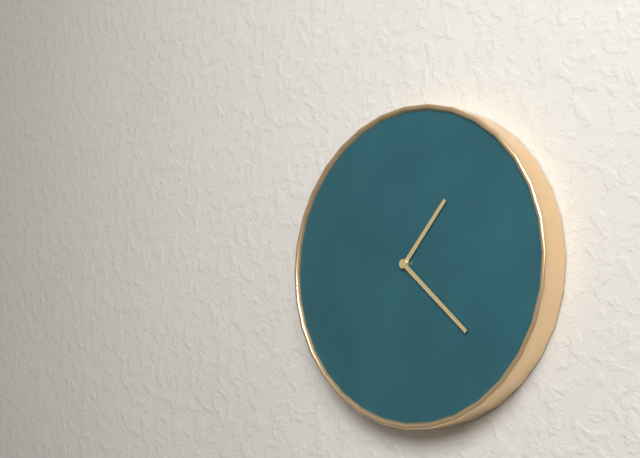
1:22
